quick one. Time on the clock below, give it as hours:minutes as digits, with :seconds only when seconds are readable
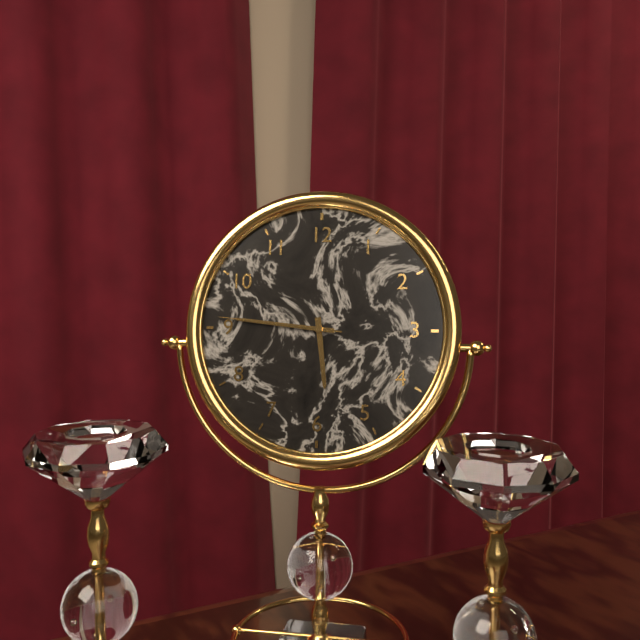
5:46:46
